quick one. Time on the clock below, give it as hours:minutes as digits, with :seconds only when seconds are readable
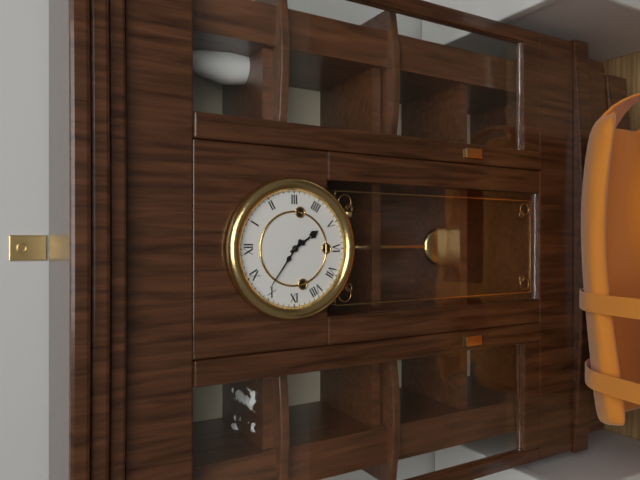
4:51
